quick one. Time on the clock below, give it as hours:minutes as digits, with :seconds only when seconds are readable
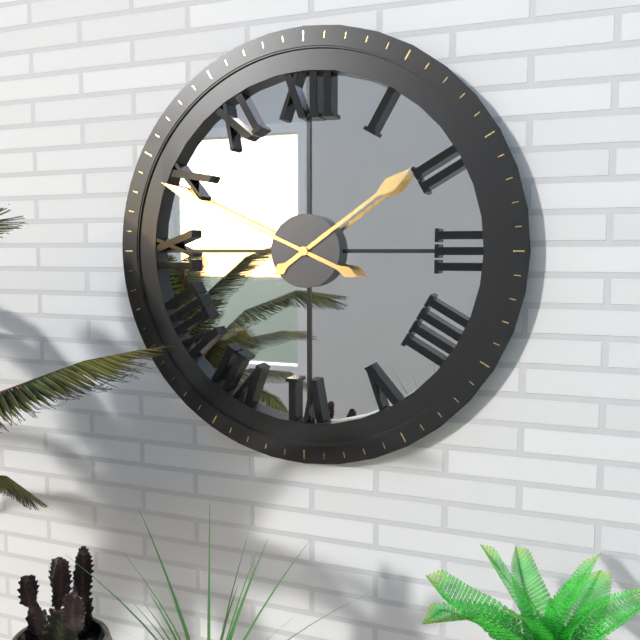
1:49
